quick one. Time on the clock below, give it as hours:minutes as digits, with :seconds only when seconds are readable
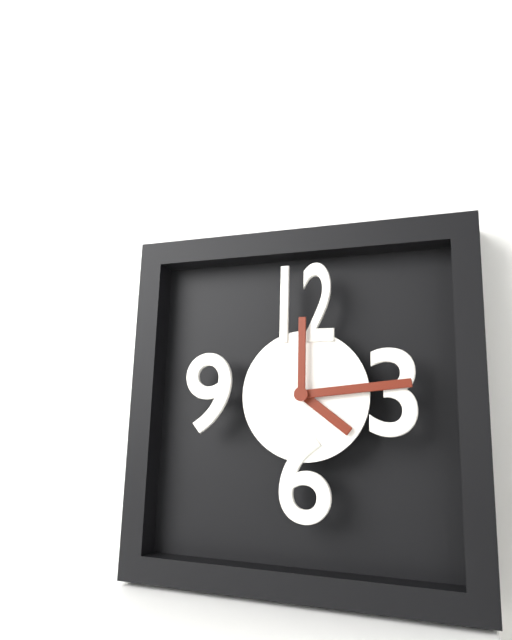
4:14:00
